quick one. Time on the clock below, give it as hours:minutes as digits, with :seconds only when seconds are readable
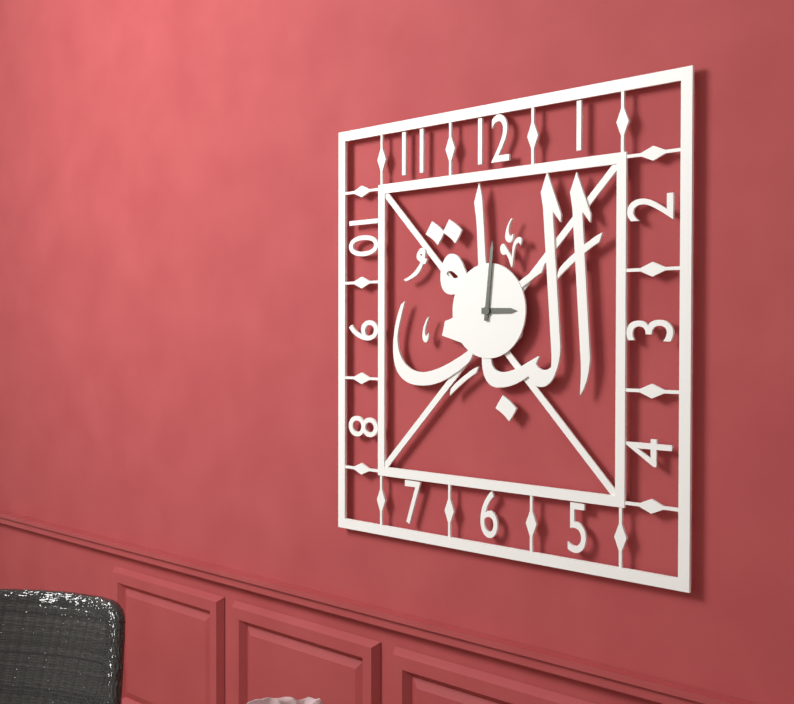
3:01
